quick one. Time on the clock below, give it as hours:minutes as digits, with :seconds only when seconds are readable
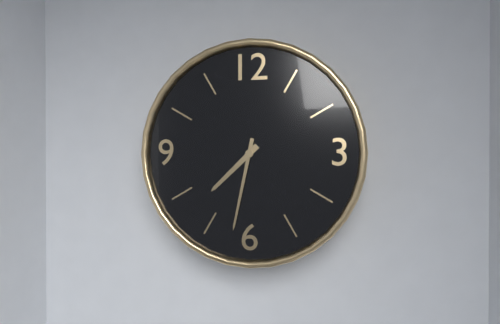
7:32
